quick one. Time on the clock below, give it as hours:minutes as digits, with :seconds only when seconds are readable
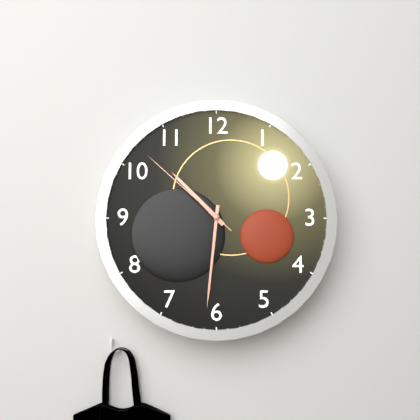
10:31:52
